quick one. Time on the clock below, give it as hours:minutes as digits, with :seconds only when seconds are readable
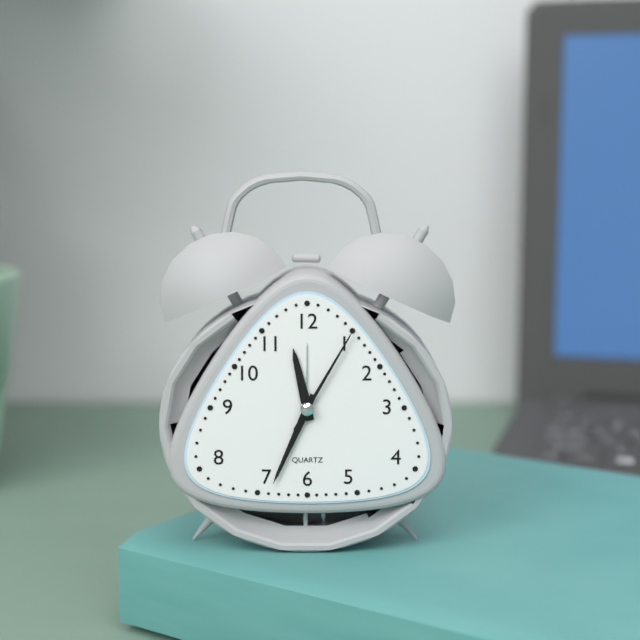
11:34:05
